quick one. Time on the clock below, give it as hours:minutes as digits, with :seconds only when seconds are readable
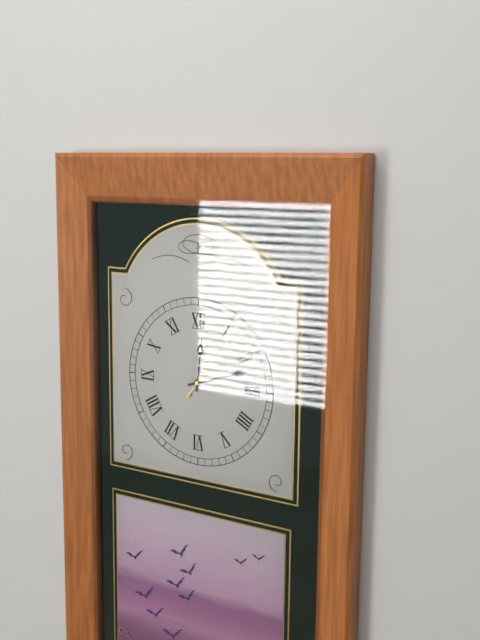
12:12:06
